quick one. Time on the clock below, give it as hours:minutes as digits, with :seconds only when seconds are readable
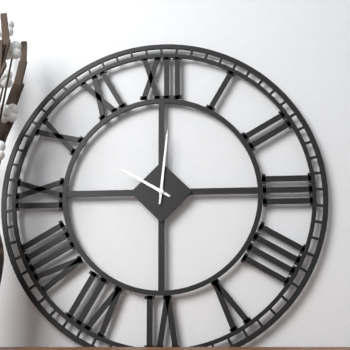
10:01
